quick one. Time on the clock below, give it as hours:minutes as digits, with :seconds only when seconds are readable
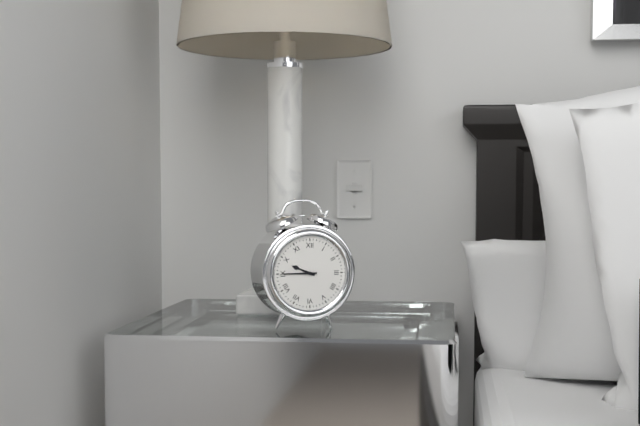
9:45
